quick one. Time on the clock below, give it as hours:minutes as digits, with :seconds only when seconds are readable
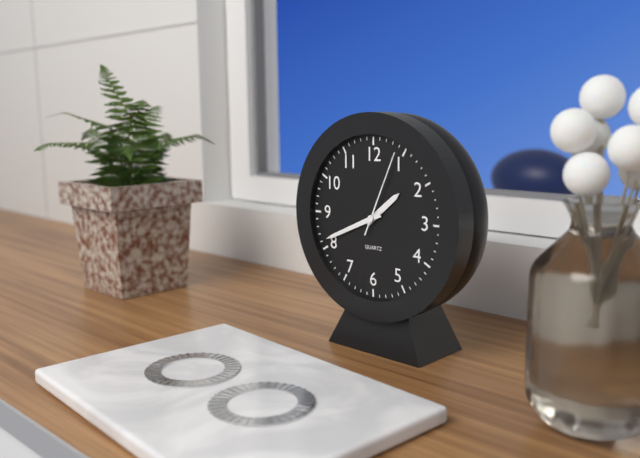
1:41:04
